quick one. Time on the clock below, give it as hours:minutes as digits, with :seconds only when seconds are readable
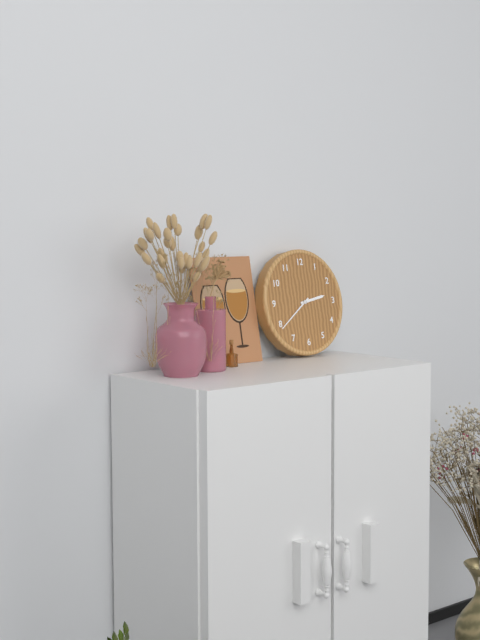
2:39
